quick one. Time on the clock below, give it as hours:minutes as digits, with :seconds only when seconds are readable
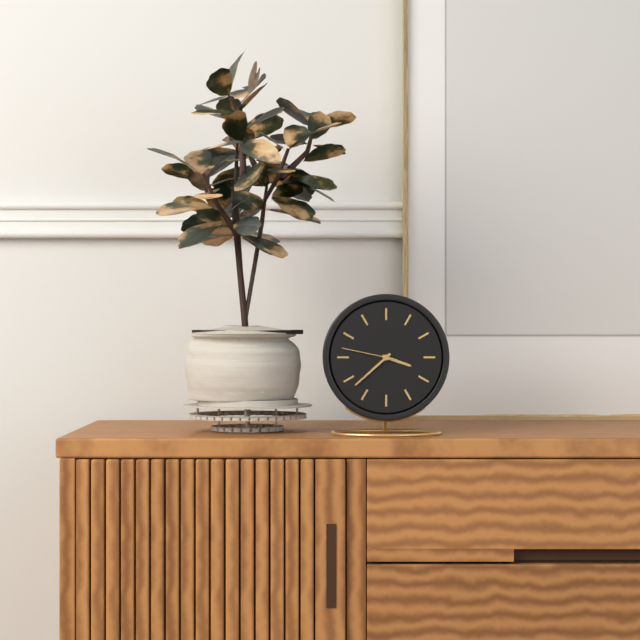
3:38:47
